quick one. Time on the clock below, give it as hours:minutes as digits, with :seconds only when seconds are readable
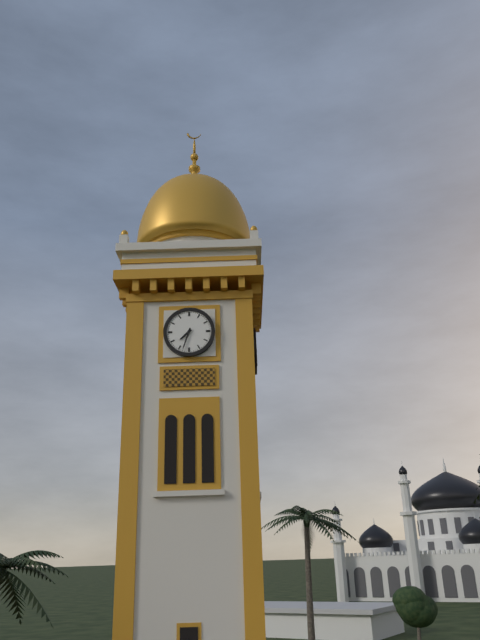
7:33
